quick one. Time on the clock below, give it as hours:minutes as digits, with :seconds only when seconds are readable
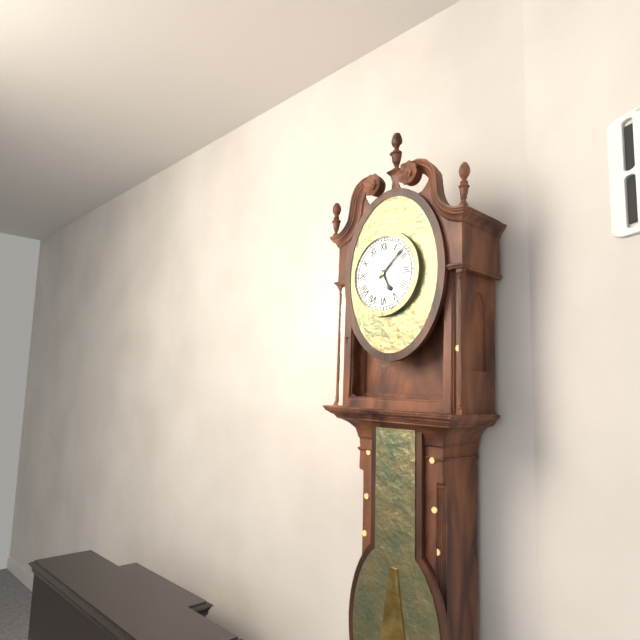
5:08
